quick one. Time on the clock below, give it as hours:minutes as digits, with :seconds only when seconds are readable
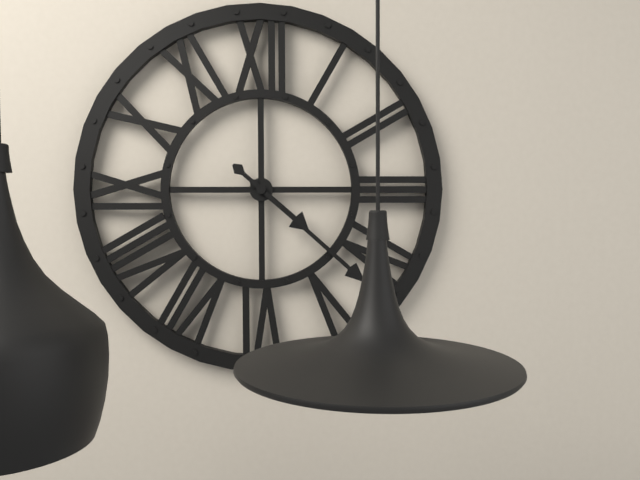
4:22
